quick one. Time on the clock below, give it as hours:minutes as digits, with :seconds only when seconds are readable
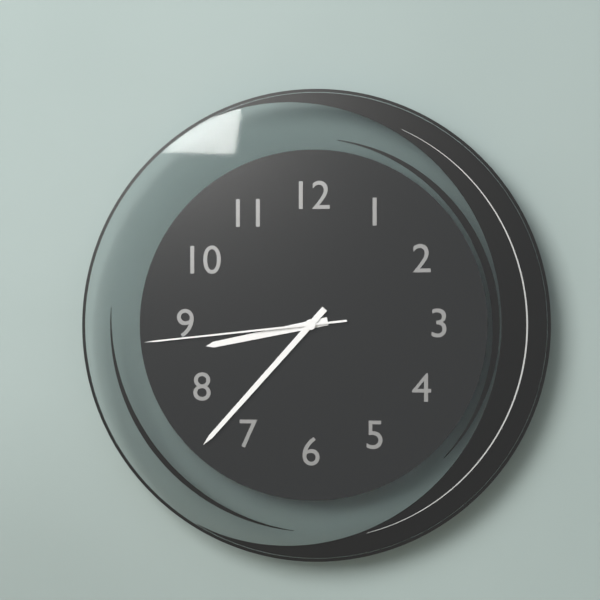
8:37:44
